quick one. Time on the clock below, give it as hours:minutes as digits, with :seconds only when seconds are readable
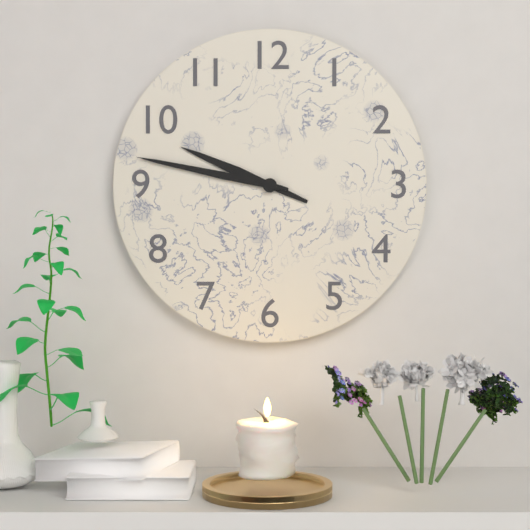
9:47
